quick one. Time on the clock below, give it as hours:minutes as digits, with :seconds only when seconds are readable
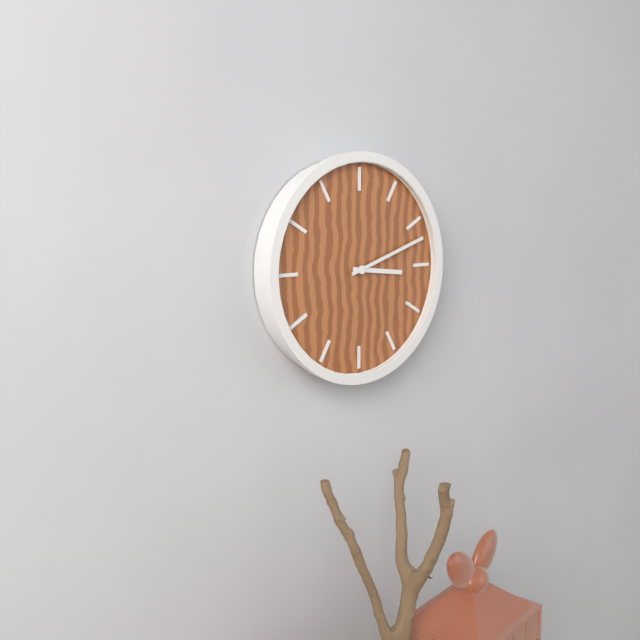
3:12
